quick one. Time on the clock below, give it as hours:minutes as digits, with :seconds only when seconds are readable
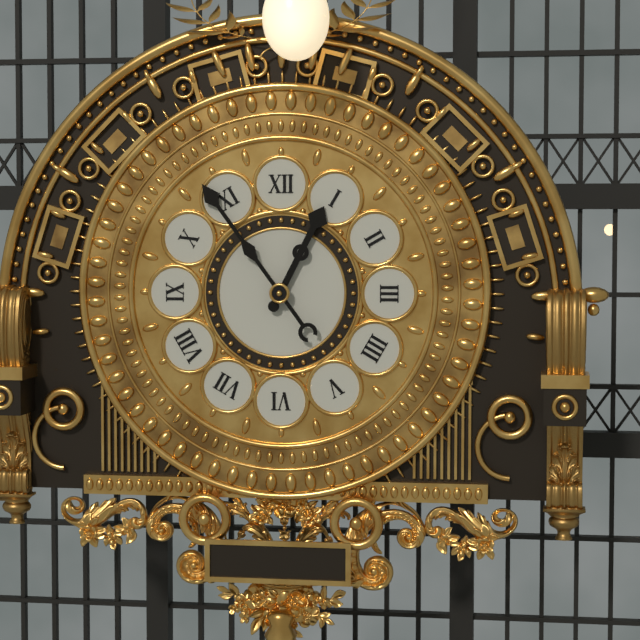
12:54
